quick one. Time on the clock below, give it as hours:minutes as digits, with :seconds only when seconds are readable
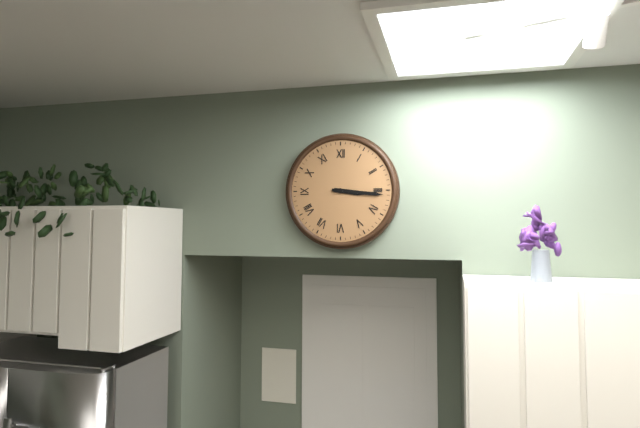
3:16
